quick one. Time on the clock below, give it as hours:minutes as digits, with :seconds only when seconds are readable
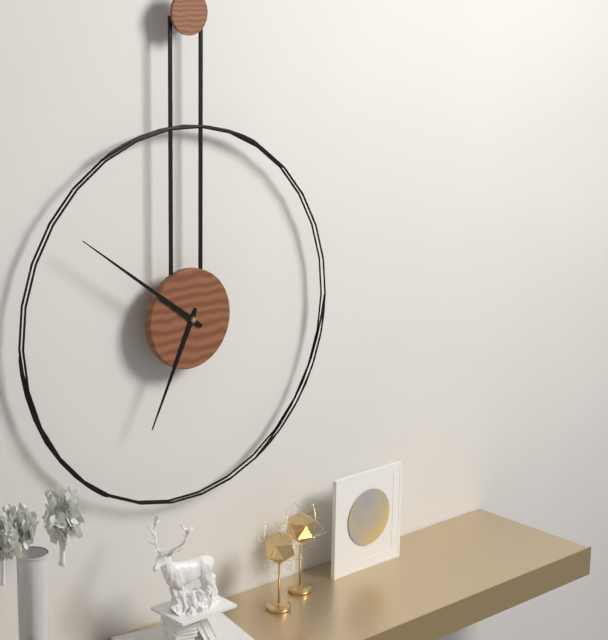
6:51
